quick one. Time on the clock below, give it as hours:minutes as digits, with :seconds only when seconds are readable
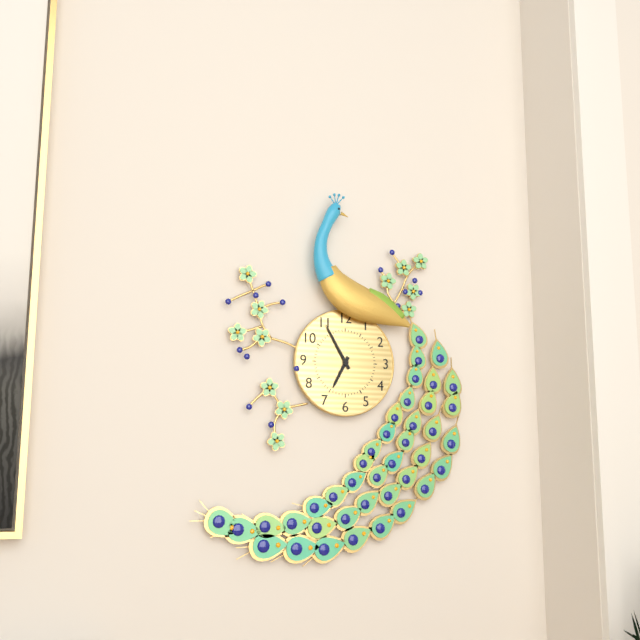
6:55
